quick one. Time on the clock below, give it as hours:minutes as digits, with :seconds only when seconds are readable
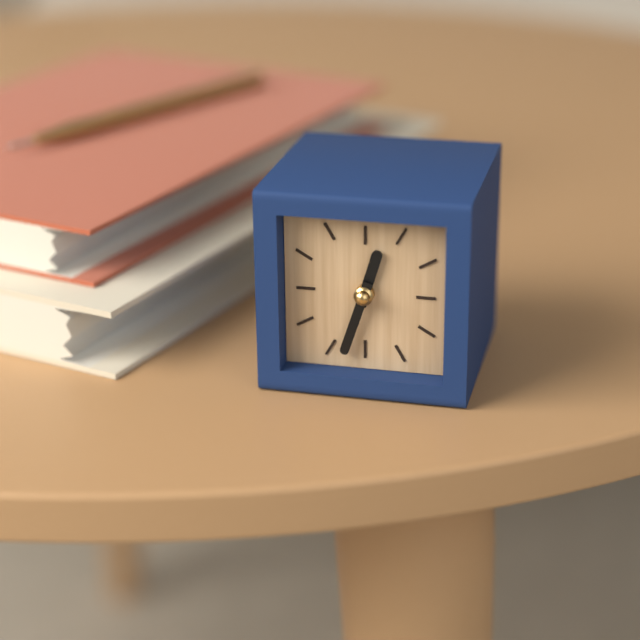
12:33
